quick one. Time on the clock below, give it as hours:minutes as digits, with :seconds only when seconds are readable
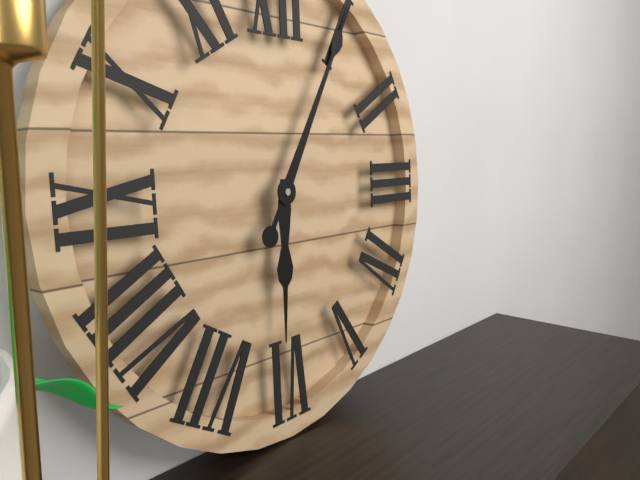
6:05
